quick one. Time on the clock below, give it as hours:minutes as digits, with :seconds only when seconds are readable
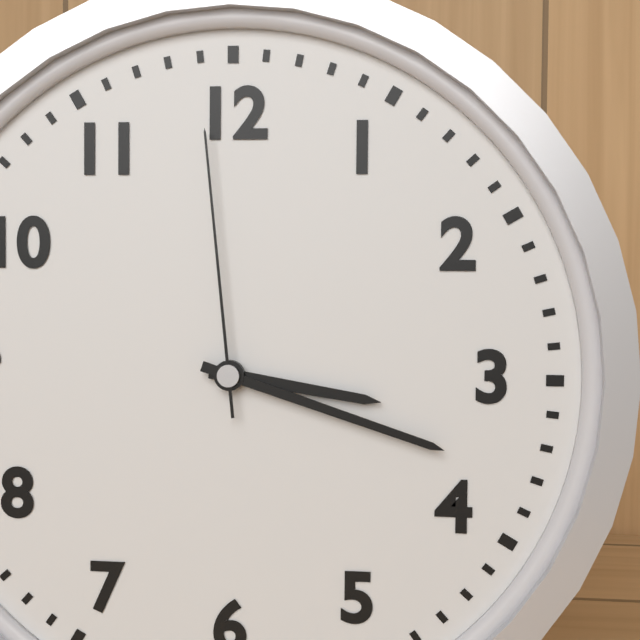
3:18:59
